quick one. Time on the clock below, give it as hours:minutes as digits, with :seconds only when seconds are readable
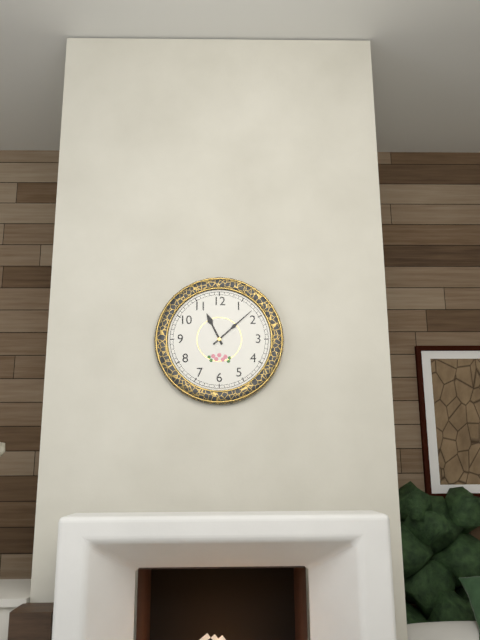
11:08
